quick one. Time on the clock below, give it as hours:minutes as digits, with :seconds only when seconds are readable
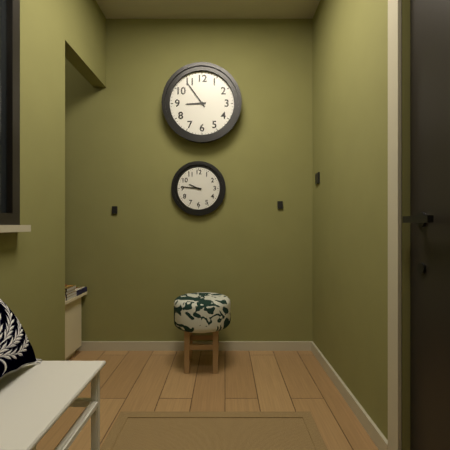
8:54
